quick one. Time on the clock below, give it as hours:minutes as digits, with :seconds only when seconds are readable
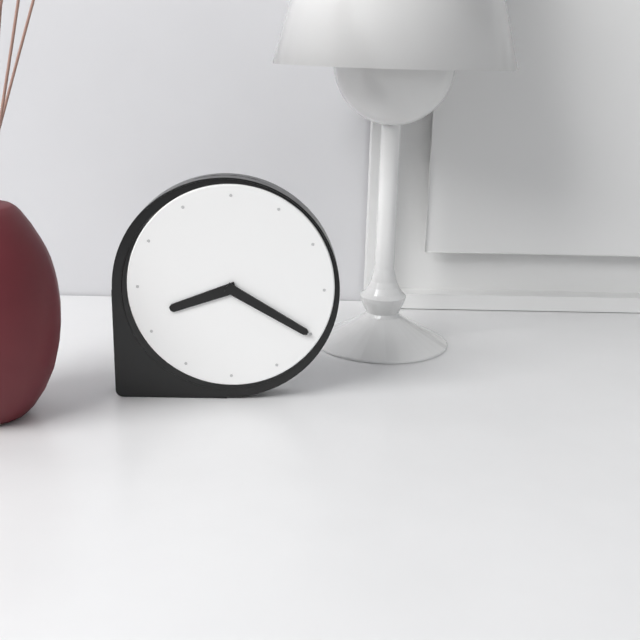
8:20
